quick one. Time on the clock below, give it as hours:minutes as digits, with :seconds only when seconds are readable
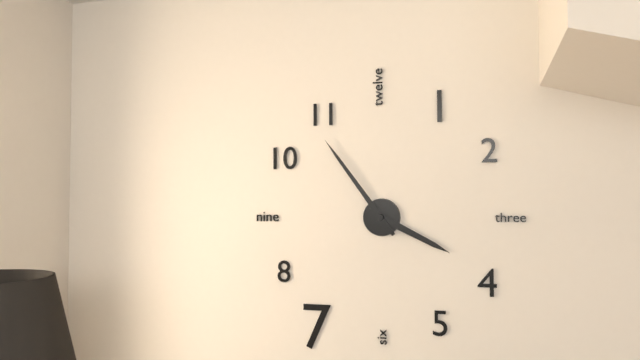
3:54
